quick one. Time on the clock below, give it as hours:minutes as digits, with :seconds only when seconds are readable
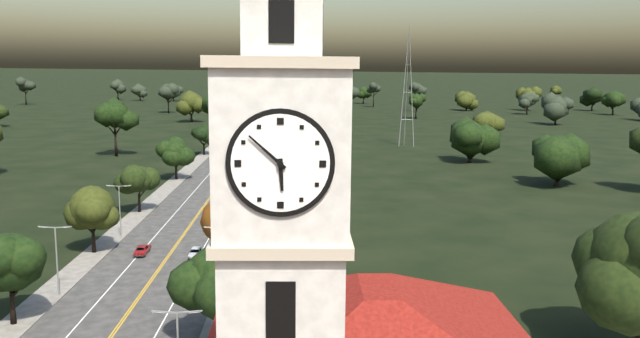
5:52
